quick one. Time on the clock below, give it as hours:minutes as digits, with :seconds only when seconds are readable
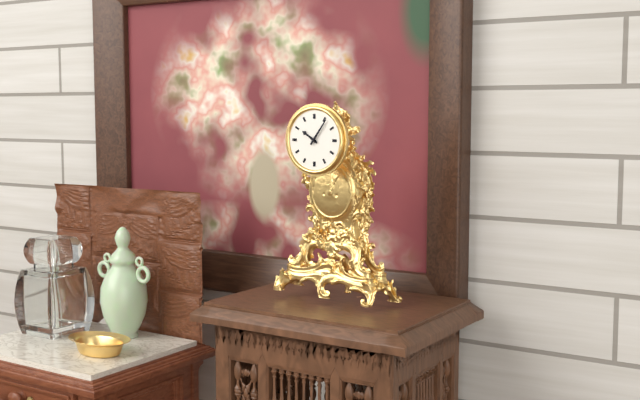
10:06
